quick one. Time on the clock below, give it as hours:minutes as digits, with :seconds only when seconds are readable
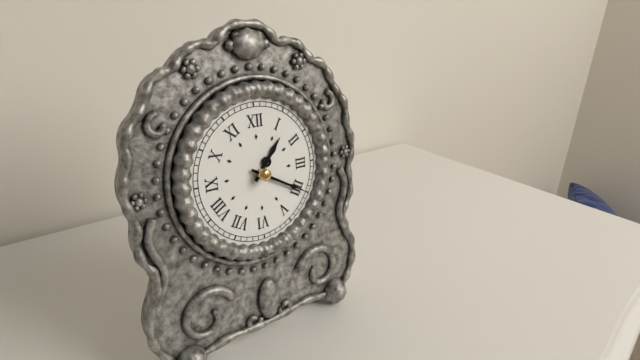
1:20
